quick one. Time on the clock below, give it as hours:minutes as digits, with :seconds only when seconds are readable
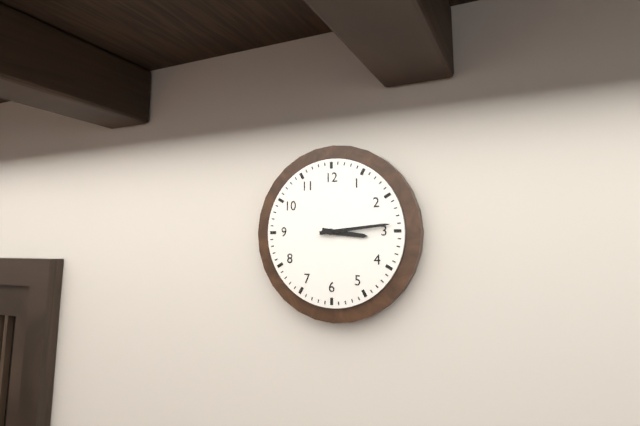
3:14
